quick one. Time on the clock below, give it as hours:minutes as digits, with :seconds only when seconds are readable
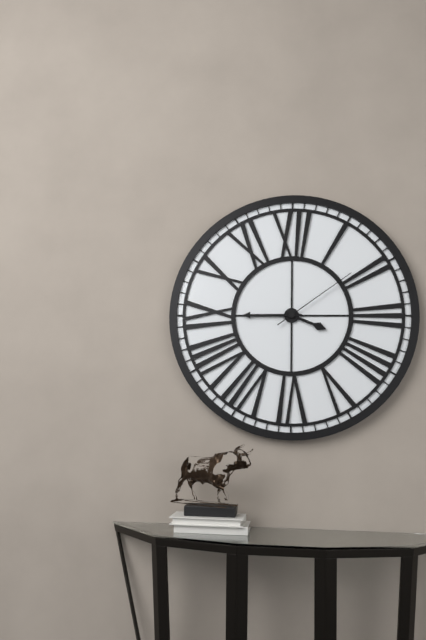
3:45:09
